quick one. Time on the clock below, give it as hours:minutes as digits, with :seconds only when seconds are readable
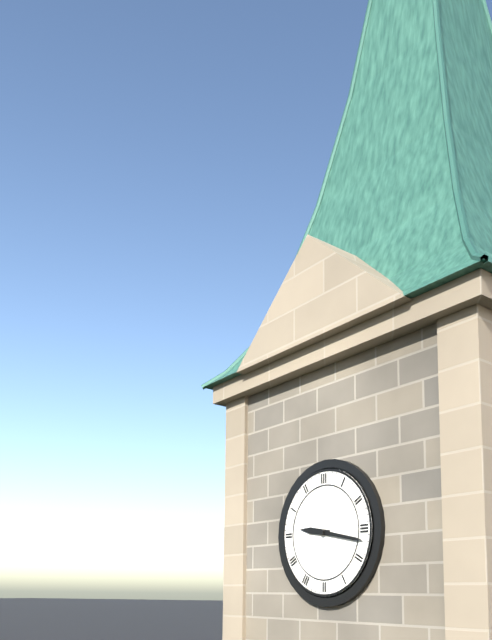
9:17
